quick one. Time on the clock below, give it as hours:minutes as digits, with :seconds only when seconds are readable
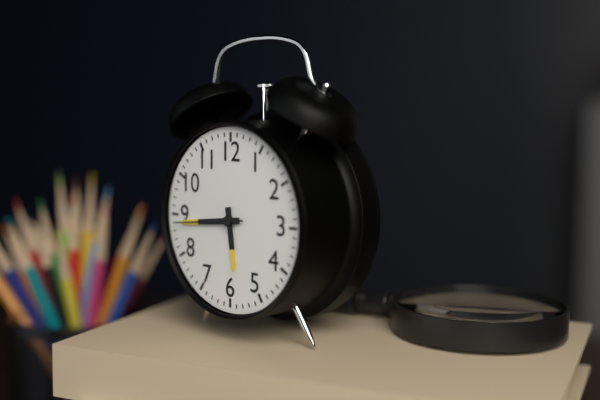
5:44:44
